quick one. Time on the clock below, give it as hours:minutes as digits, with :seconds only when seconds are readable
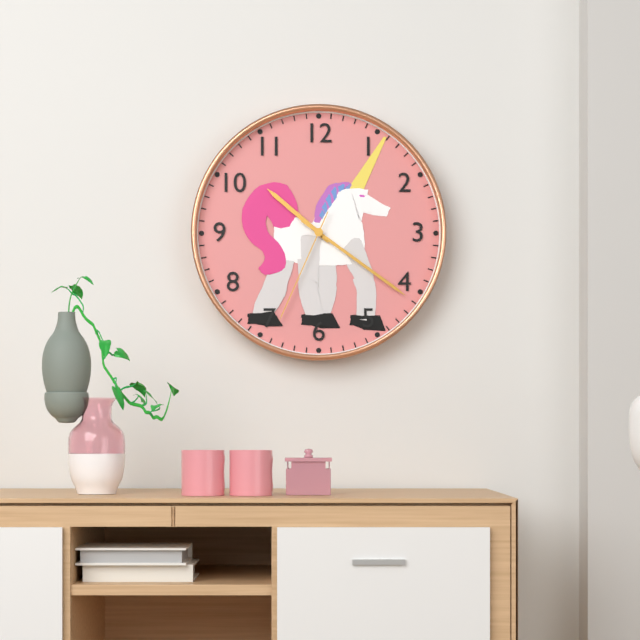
10:21:34
